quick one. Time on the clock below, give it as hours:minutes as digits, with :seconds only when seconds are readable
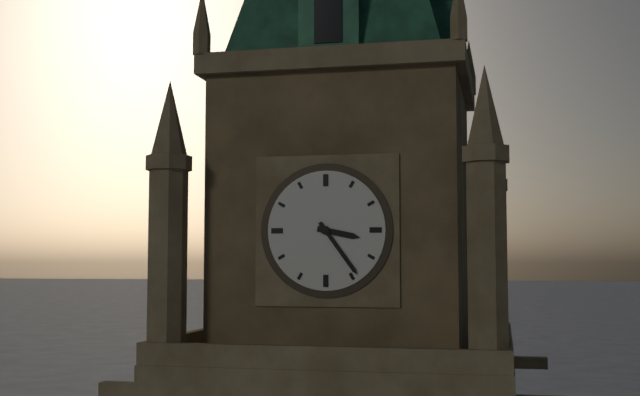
3:24
